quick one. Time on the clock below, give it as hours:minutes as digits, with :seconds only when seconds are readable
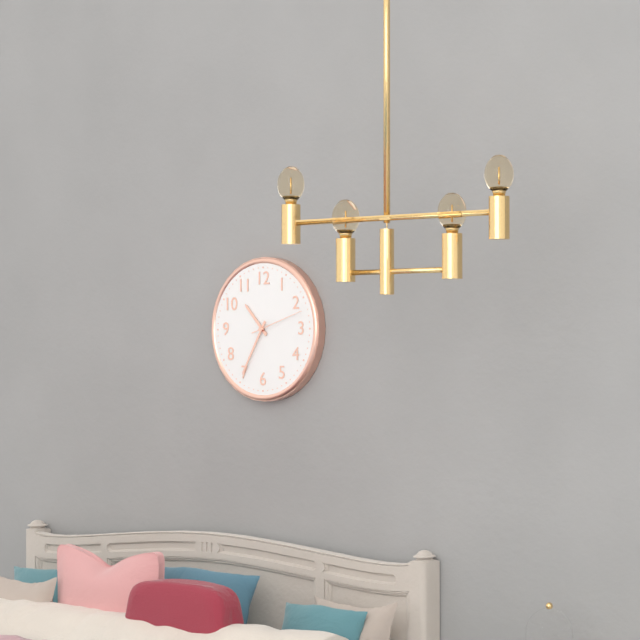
10:35:12
